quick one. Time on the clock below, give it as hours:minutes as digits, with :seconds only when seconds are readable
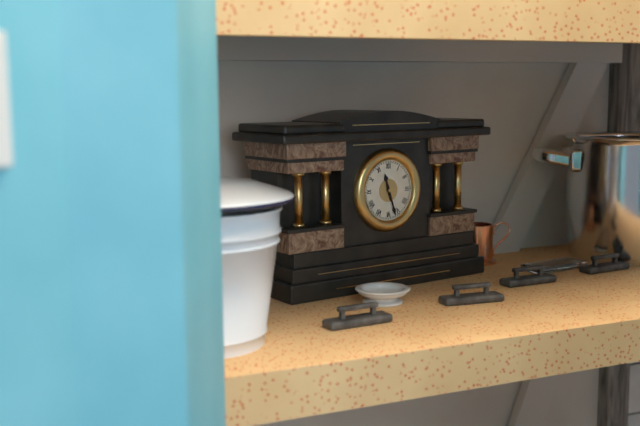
11:27
